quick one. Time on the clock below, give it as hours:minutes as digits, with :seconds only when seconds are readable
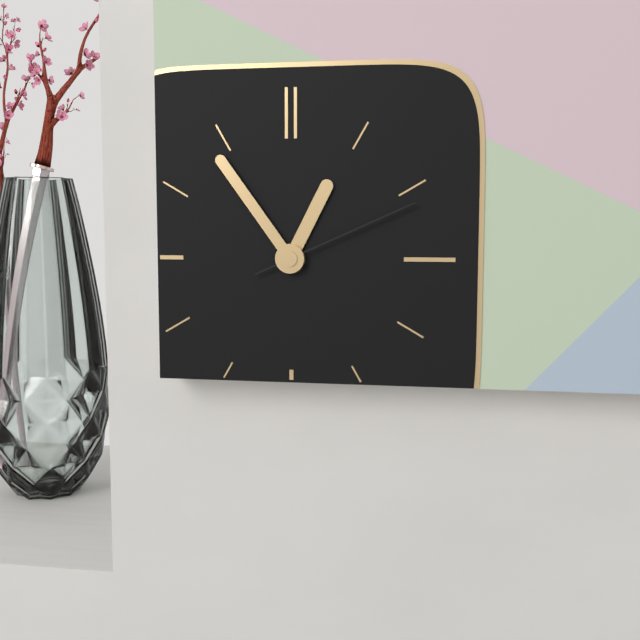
12:54:11
